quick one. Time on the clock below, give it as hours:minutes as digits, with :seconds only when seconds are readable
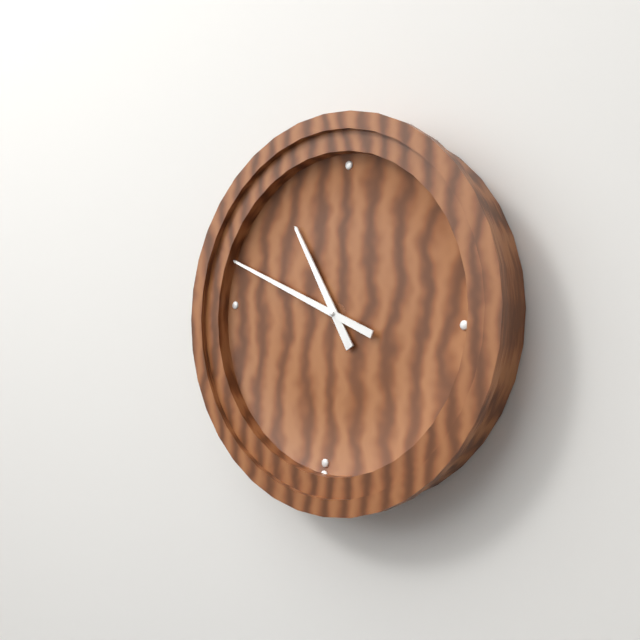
10:48
